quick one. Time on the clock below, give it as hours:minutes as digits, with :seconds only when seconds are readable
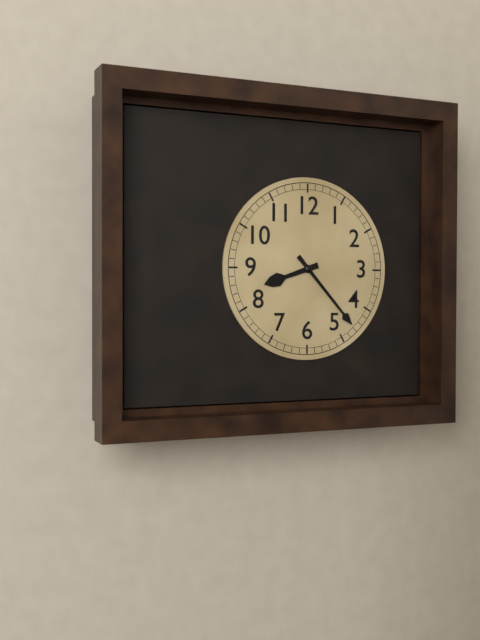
8:23
